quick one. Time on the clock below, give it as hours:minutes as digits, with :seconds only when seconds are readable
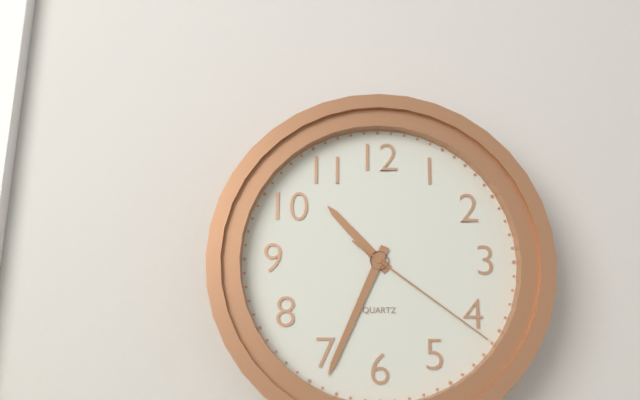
10:34:21
